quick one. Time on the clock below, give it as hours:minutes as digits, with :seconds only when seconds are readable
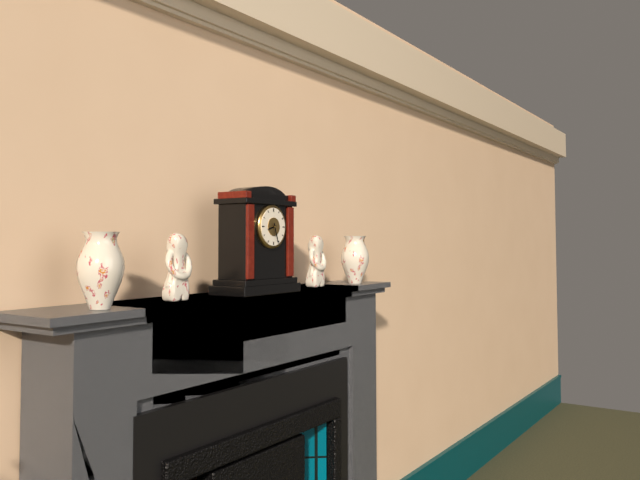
8:27
